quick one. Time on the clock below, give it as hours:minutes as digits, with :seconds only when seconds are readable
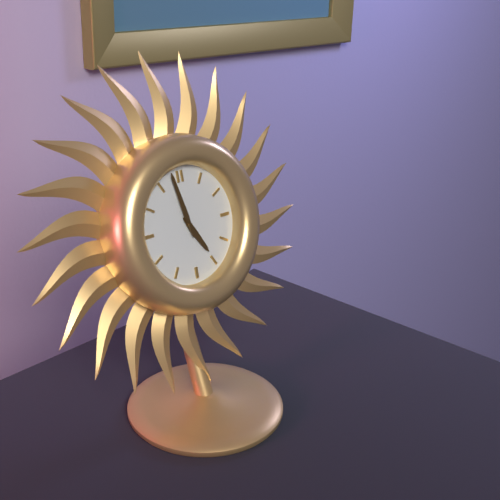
4:58
